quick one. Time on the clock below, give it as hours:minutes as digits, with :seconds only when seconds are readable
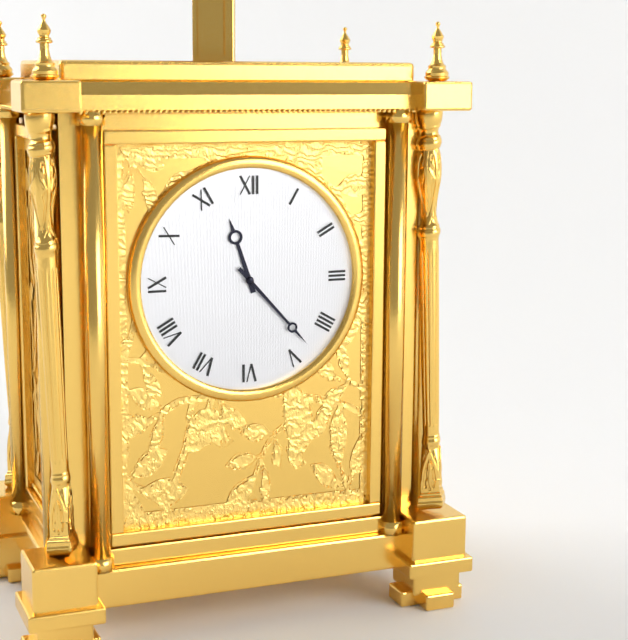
11:23
